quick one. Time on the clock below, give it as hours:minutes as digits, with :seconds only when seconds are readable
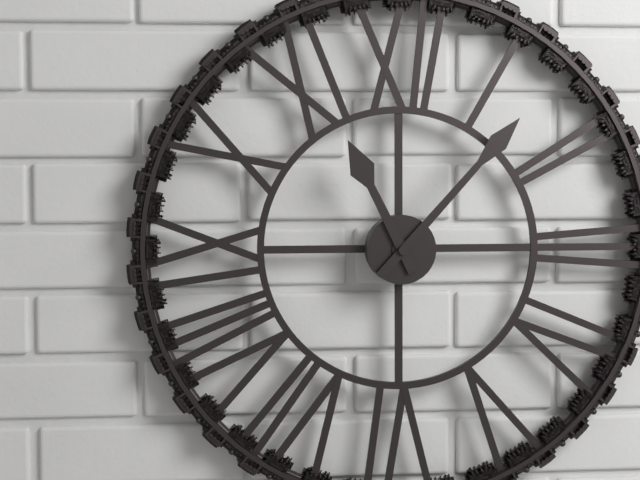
11:07
